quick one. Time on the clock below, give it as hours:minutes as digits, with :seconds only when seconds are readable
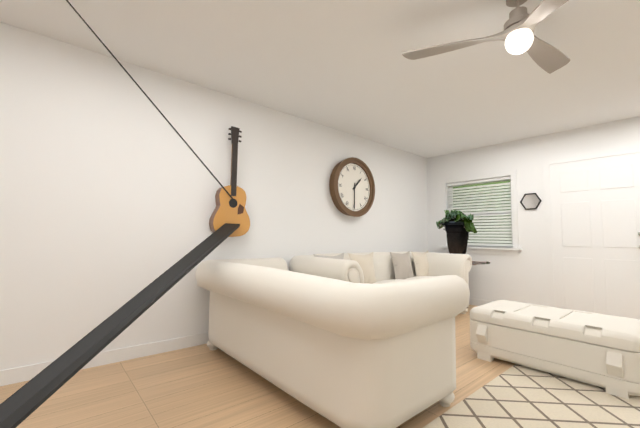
1:30
